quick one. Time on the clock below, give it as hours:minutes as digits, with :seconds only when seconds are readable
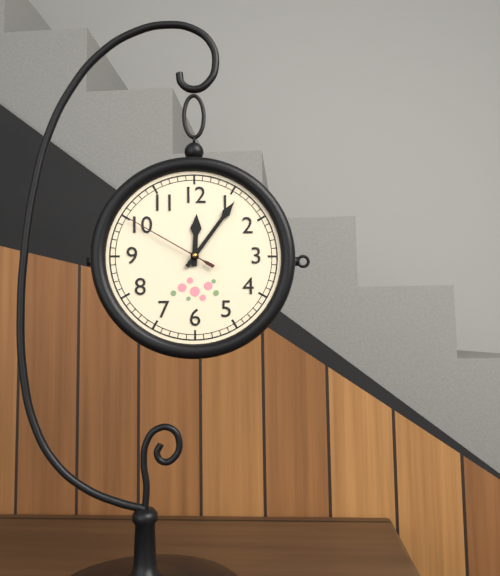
12:06:50
